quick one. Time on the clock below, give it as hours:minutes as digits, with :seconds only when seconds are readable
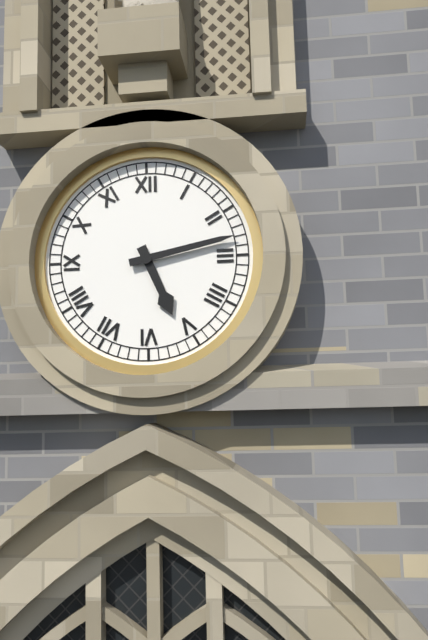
5:13
